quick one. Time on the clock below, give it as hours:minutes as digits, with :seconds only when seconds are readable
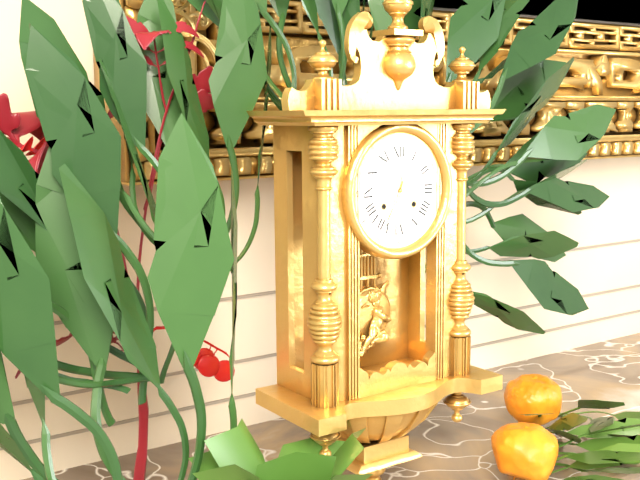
12:35
